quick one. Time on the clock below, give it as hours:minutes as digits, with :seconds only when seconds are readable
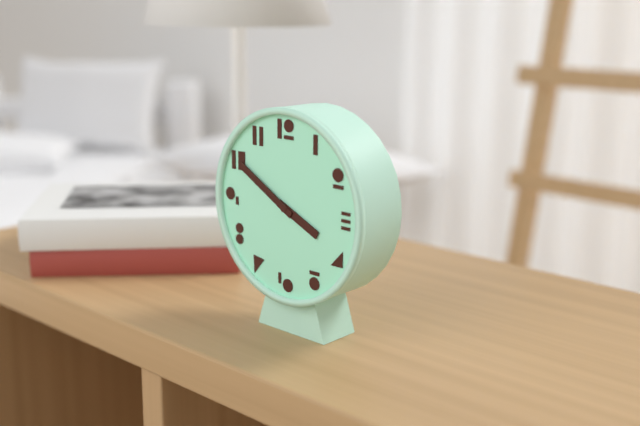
3:50
